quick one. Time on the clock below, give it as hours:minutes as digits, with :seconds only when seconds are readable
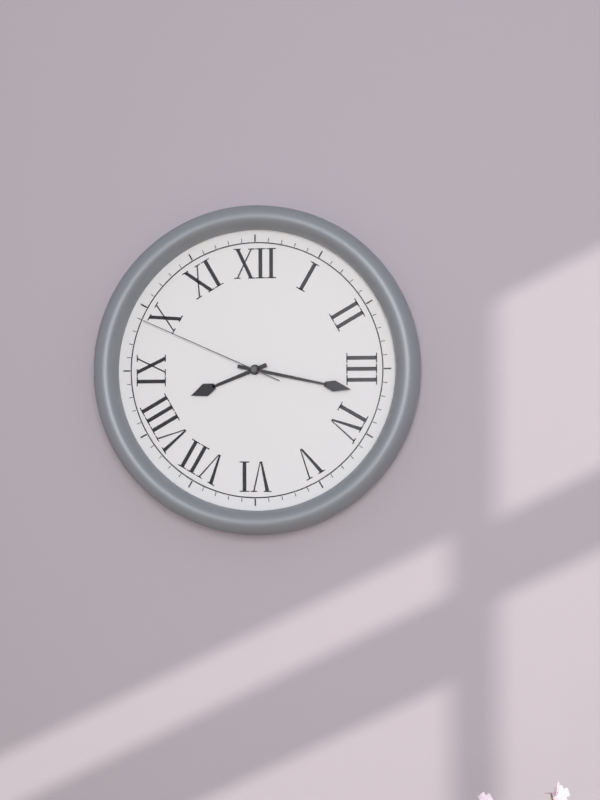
8:17:49
